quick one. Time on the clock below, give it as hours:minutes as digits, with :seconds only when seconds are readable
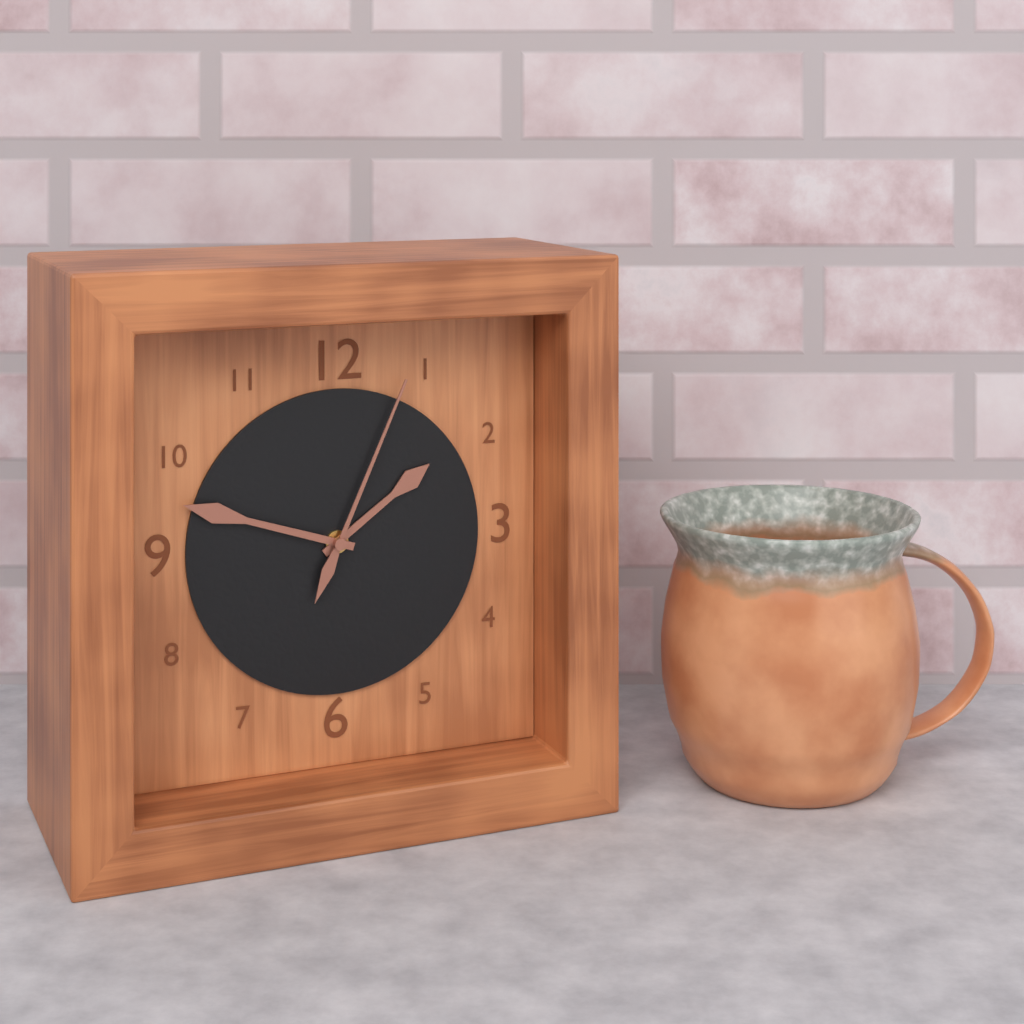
1:48:04
